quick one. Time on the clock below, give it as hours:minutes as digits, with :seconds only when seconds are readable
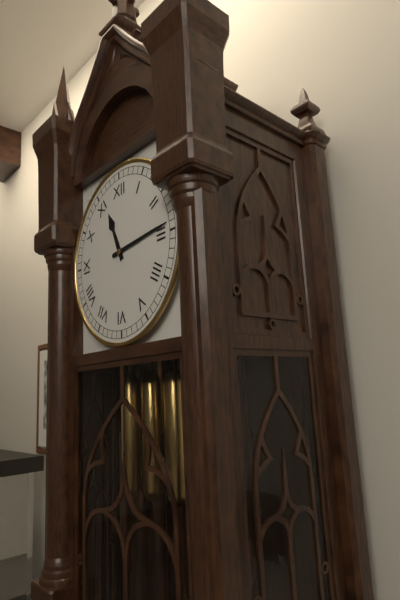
11:14
